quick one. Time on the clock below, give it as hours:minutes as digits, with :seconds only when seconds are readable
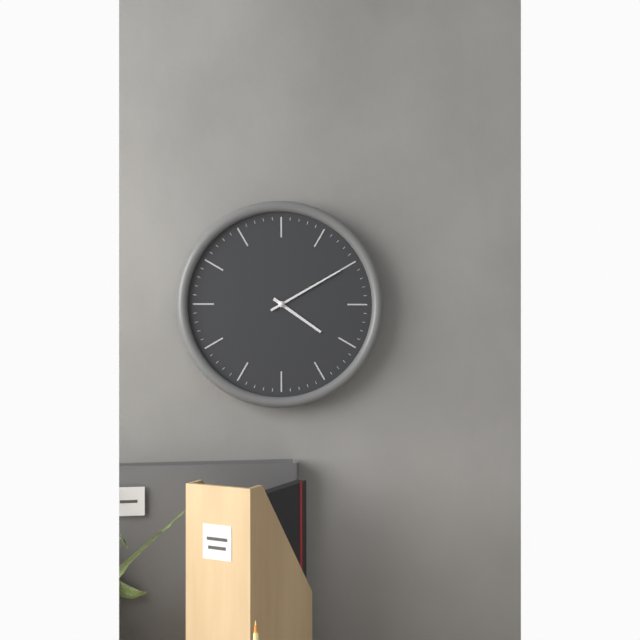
4:10
